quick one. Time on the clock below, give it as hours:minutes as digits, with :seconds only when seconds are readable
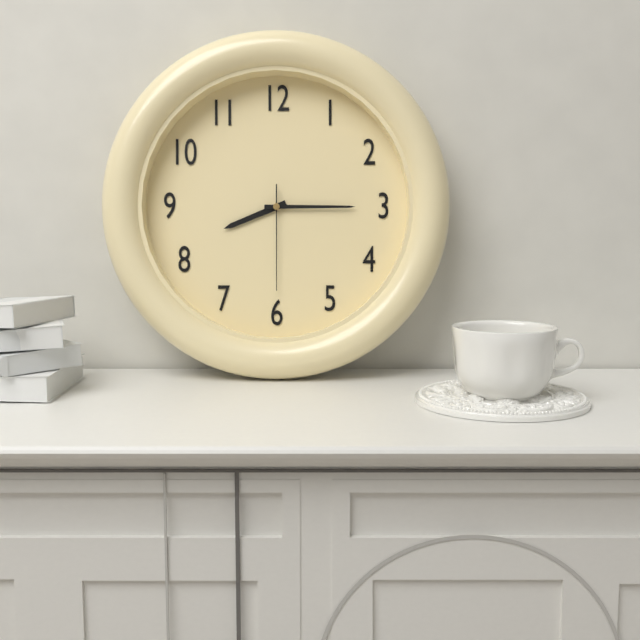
8:15:30
